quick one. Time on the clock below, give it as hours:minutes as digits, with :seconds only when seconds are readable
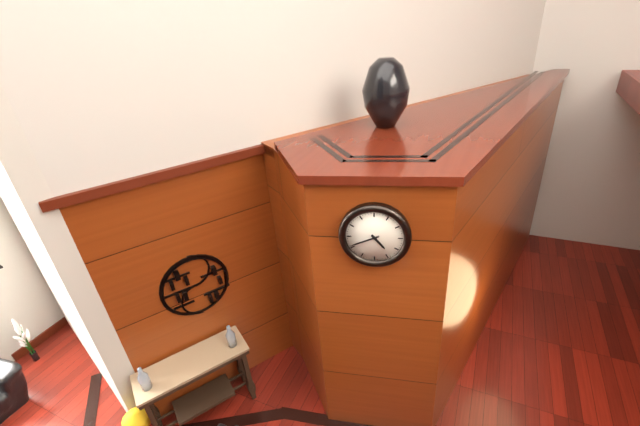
4:41
